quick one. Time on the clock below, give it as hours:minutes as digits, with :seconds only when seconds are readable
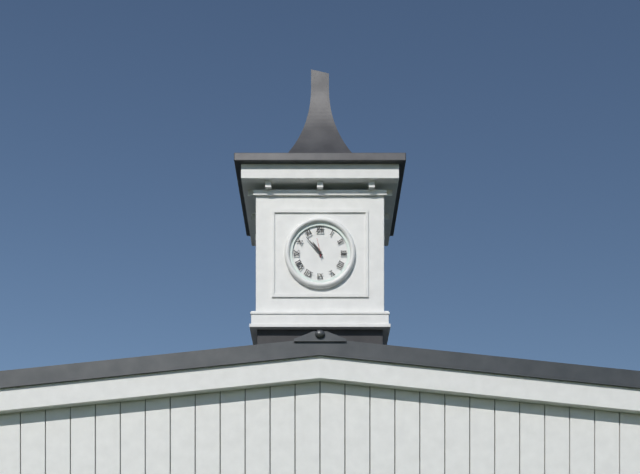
10:53
